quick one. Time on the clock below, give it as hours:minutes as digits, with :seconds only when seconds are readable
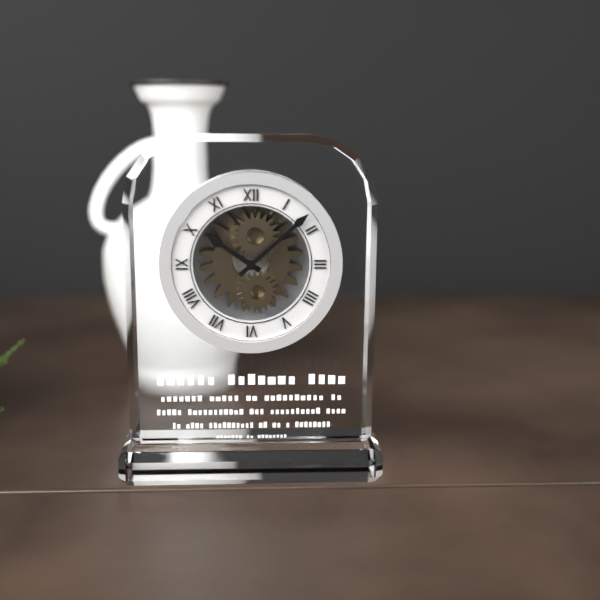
10:08
